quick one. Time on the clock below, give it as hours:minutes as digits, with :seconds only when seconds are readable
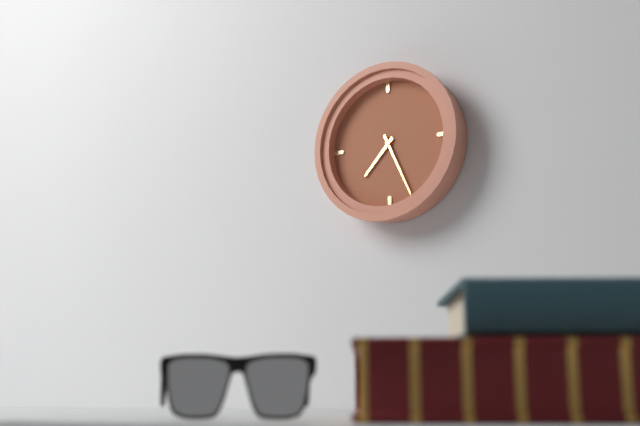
7:26
